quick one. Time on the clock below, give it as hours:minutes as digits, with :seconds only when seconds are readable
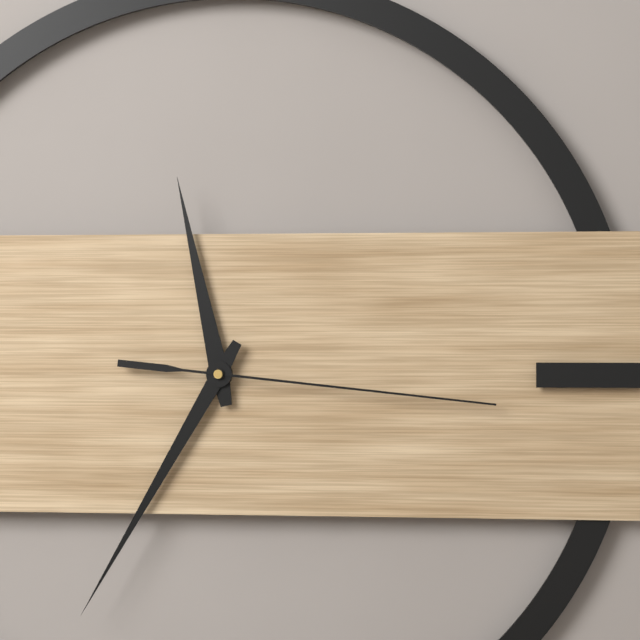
11:35:16
